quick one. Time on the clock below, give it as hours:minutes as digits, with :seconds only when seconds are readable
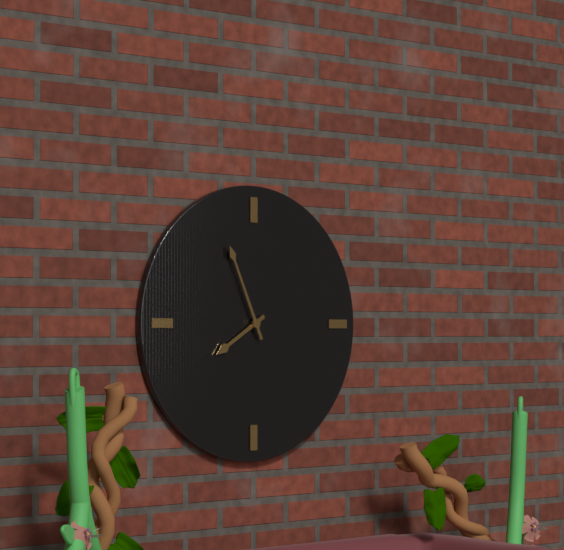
7:56
